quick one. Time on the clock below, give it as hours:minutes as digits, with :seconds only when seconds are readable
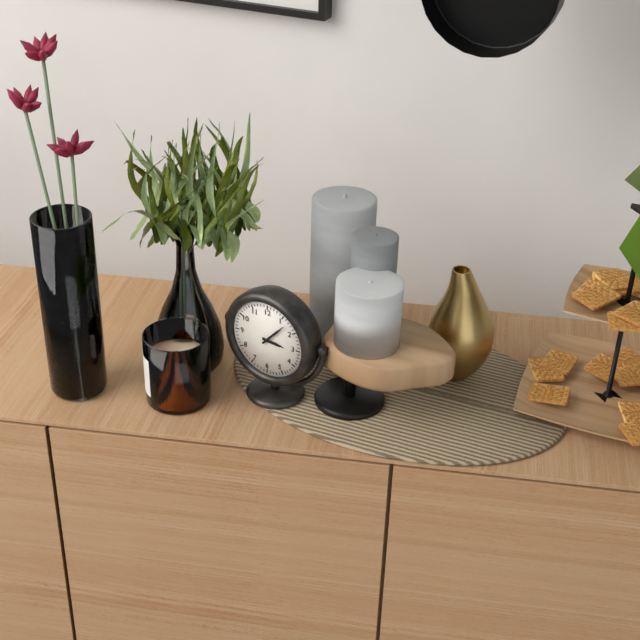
3:07
